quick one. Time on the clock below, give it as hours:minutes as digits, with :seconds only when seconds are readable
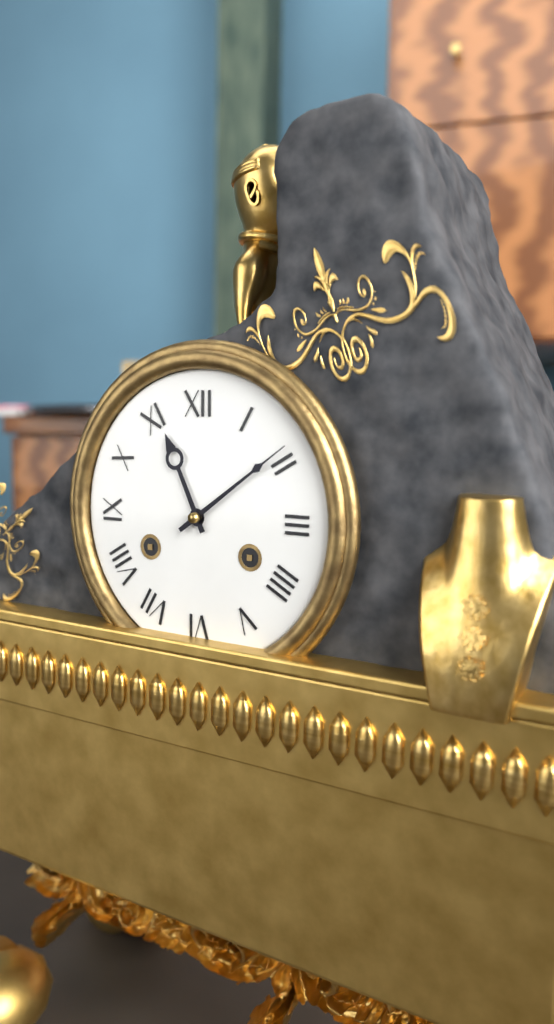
11:09
